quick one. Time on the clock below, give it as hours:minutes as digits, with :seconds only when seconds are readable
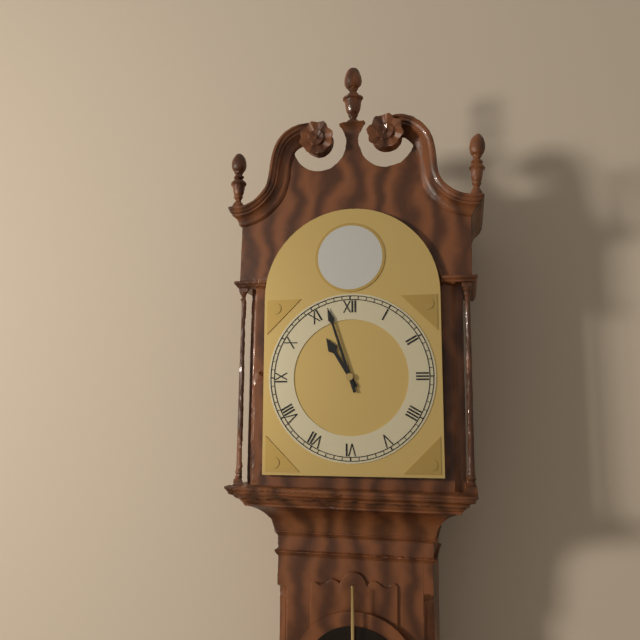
10:57
